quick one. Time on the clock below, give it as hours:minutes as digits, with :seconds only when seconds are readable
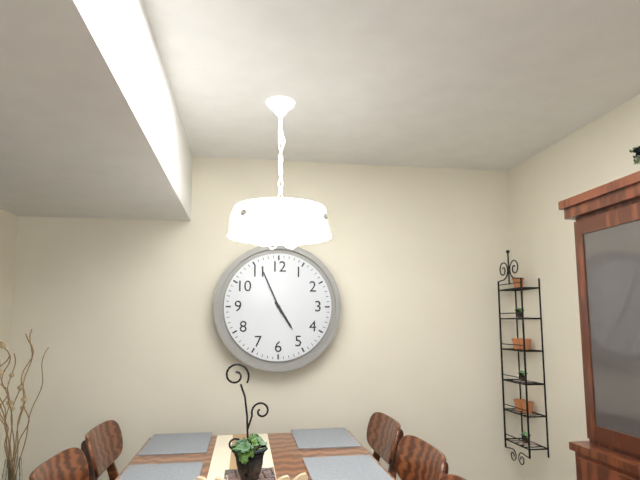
4:56
